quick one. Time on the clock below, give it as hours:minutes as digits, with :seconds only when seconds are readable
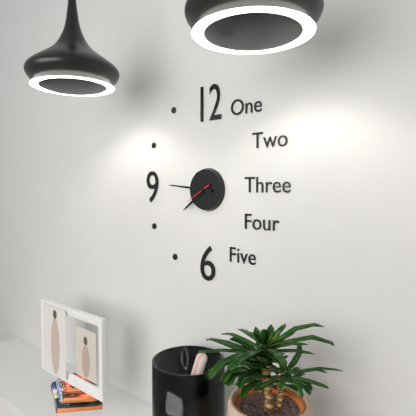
7:46
